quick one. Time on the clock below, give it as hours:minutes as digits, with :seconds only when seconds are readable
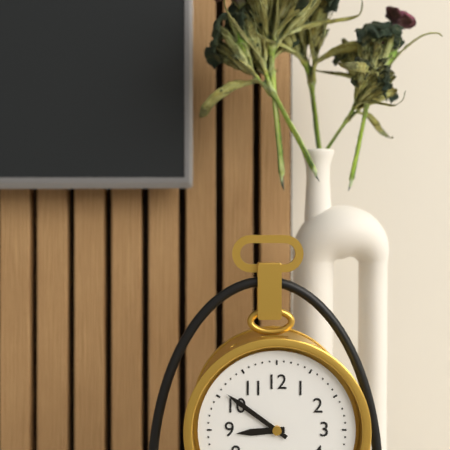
8:51
